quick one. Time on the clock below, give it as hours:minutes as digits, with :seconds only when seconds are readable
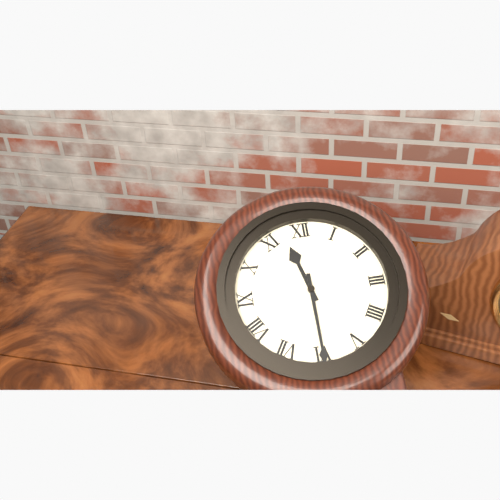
11:30
